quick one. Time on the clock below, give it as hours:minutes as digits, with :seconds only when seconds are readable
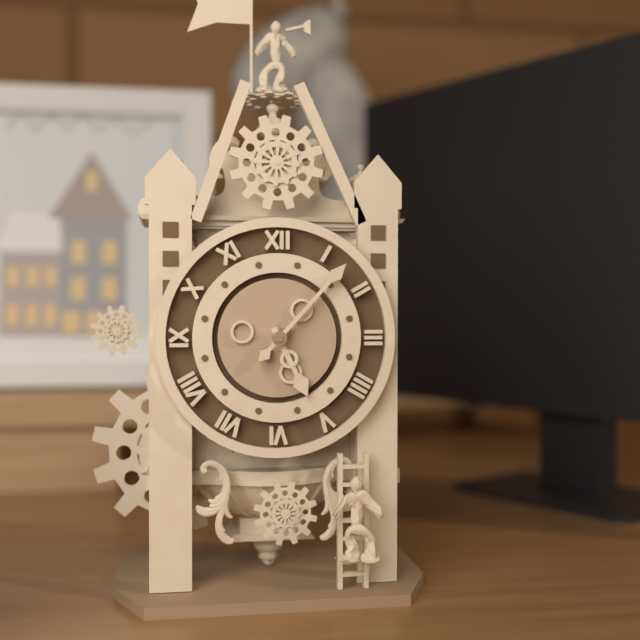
5:07
